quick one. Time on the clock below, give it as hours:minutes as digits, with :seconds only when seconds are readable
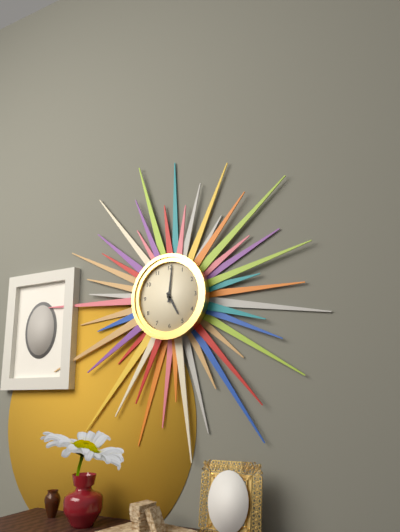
5:01
